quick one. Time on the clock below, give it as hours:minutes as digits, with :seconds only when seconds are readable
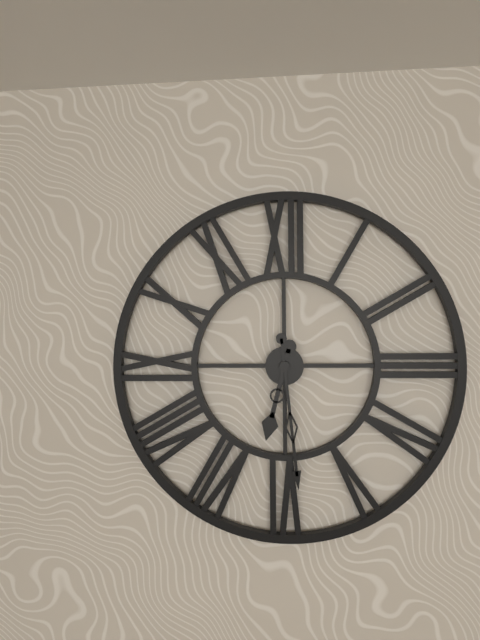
6:29
